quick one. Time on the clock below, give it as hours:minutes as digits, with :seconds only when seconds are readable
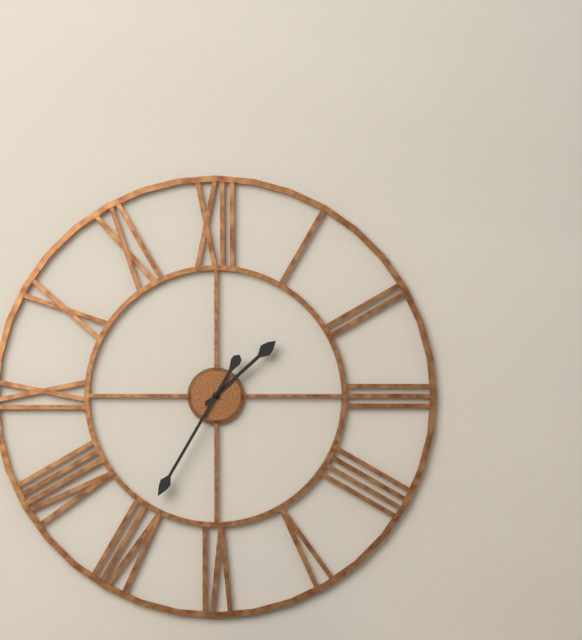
1:35
